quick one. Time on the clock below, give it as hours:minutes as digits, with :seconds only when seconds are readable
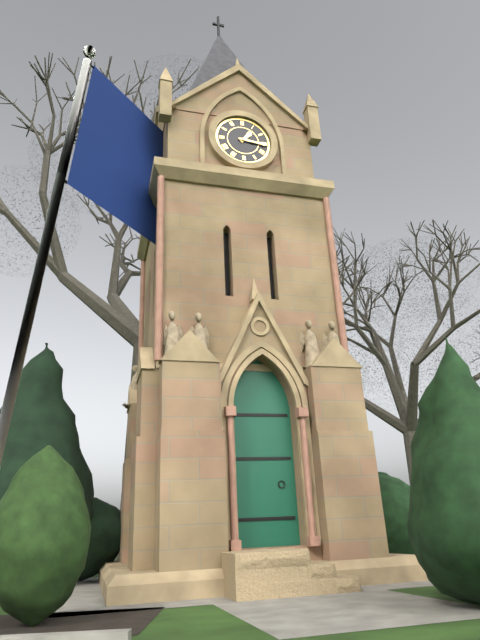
1:16
